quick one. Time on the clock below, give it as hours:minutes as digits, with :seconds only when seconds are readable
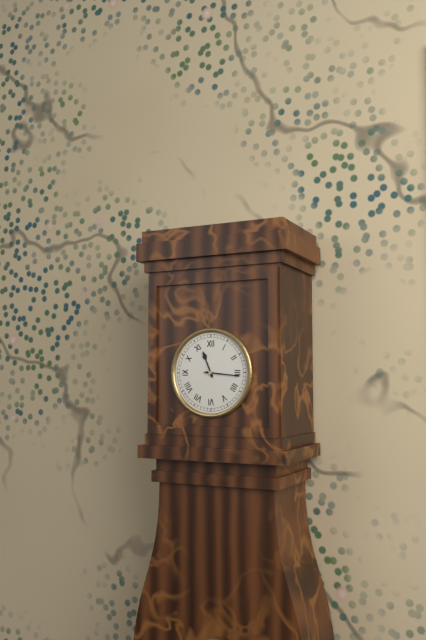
11:16
